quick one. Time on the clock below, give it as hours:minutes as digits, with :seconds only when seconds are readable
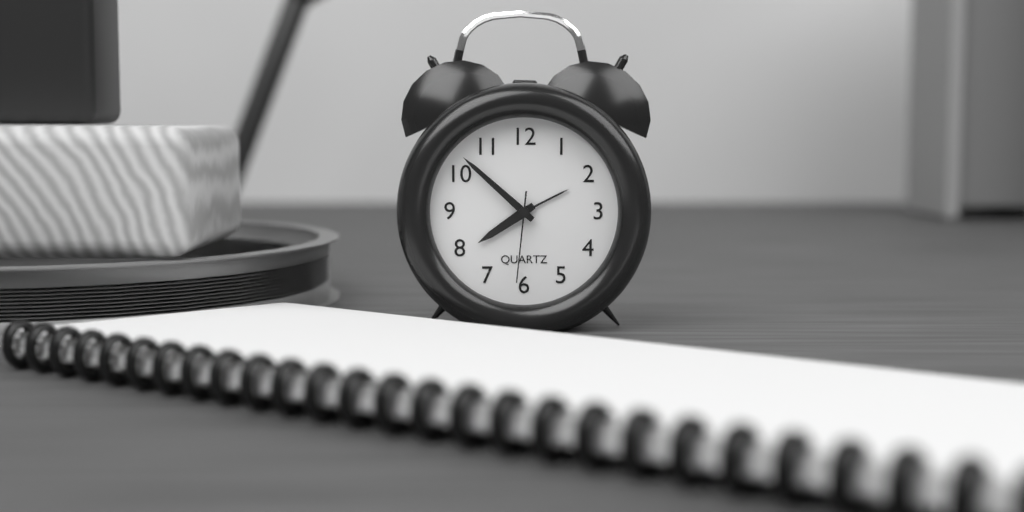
7:52:31
